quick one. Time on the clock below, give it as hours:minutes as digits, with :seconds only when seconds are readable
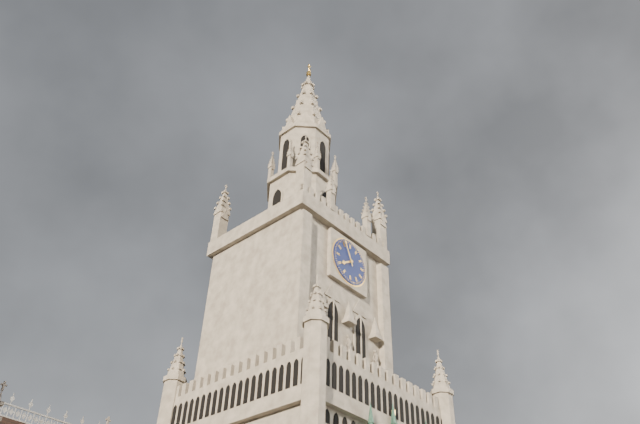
7:56
